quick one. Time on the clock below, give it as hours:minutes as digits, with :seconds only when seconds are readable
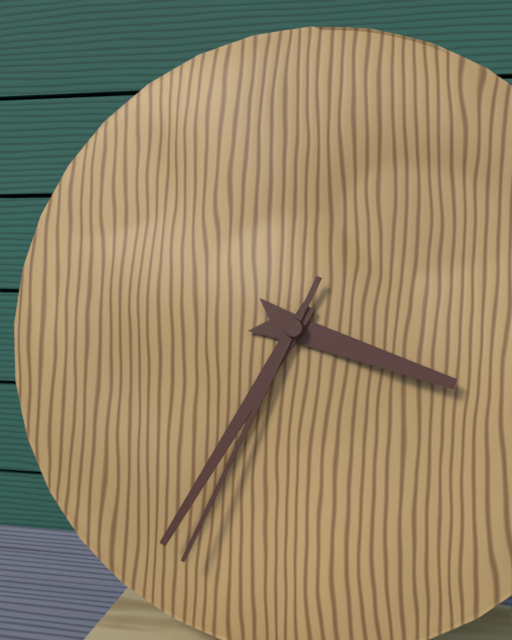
3:35:34
